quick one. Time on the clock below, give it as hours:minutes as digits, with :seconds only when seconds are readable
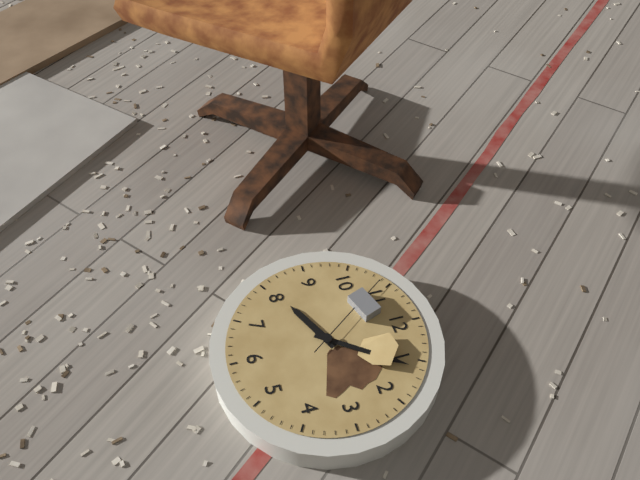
8:06:54
